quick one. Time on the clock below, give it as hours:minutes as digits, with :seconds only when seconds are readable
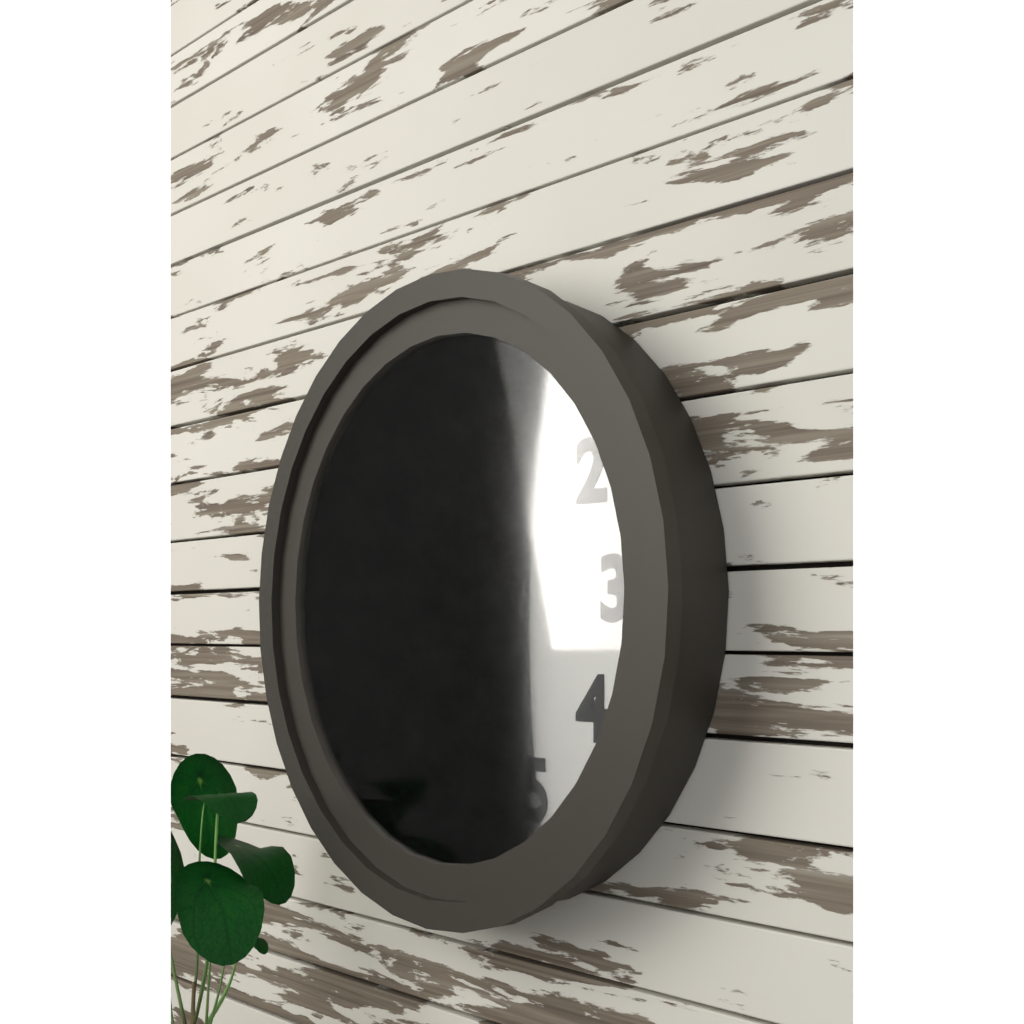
7:55:41
